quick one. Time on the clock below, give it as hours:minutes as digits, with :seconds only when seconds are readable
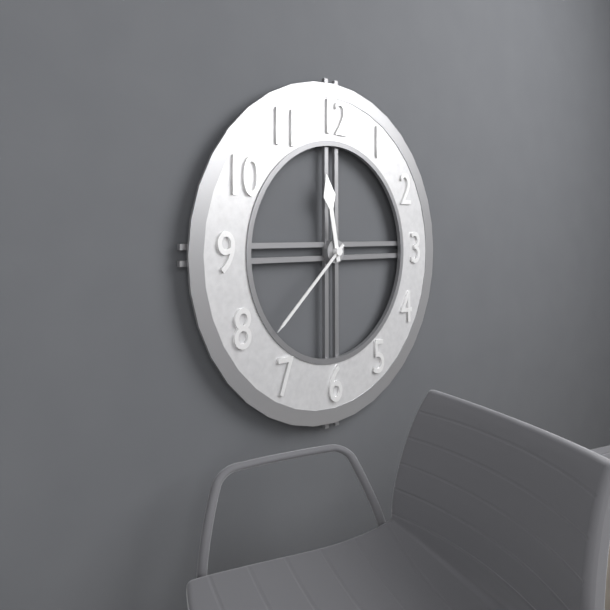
11:38
